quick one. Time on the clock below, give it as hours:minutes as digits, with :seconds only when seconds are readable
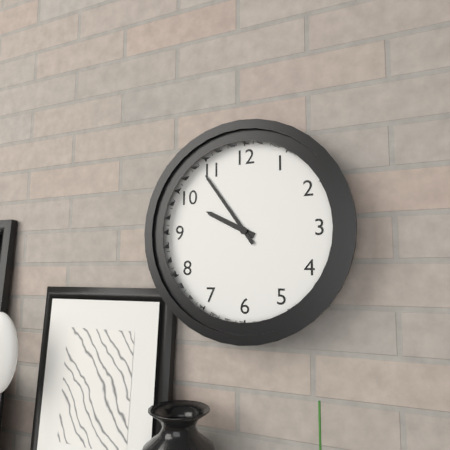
9:54
